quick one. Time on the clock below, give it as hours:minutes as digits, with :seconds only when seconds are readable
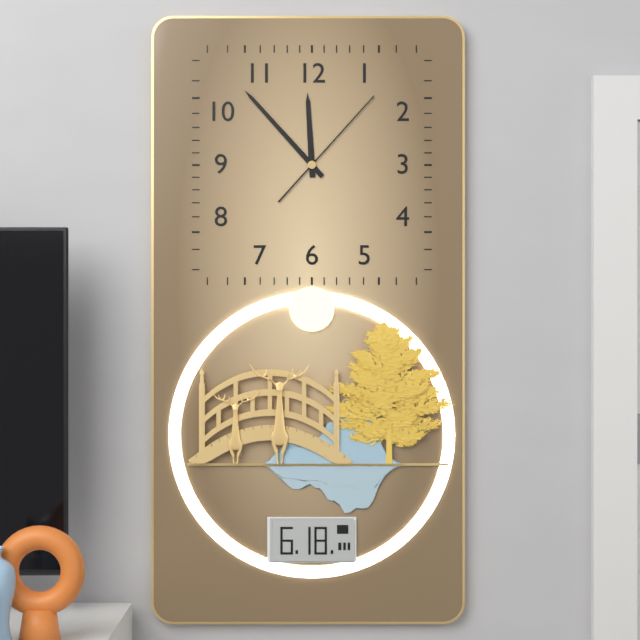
11:53:07
